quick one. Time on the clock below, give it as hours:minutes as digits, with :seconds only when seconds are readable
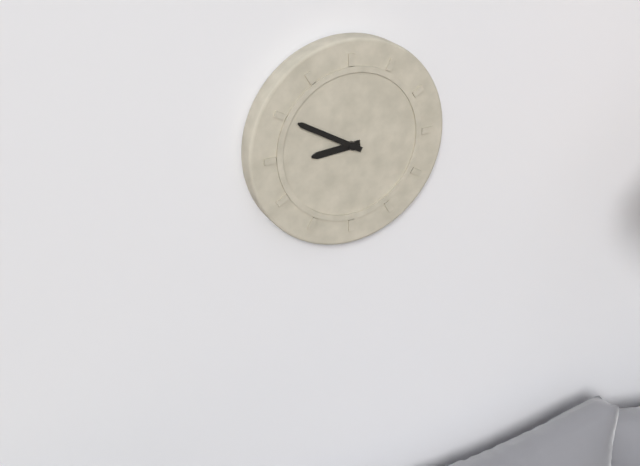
8:50
